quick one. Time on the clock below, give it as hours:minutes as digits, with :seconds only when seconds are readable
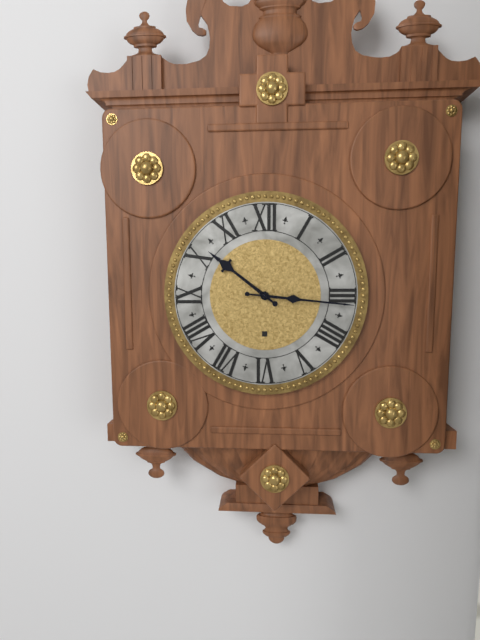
10:16
